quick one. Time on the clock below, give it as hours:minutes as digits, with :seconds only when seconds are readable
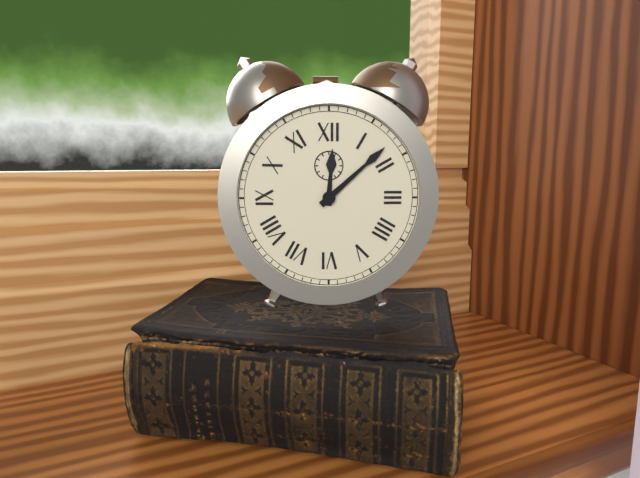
12:08
